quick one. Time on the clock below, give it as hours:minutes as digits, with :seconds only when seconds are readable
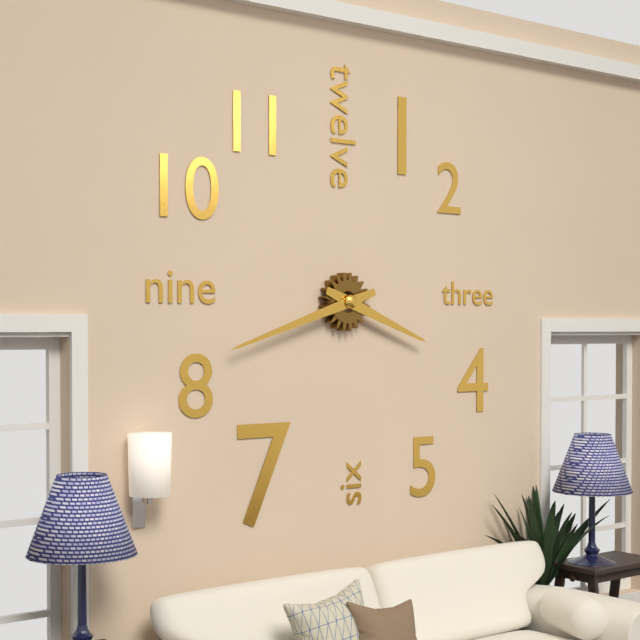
3:42
